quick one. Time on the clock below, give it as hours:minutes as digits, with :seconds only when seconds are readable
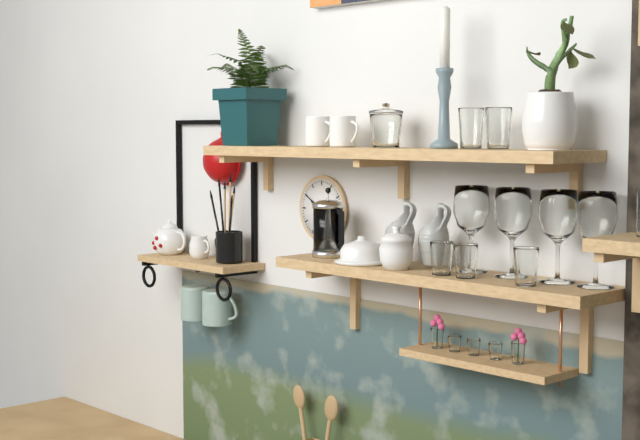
9:50
